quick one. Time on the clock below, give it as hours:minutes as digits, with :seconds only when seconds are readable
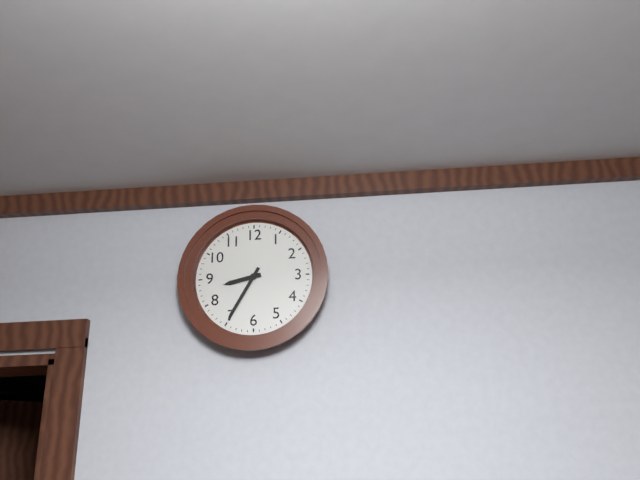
8:35
